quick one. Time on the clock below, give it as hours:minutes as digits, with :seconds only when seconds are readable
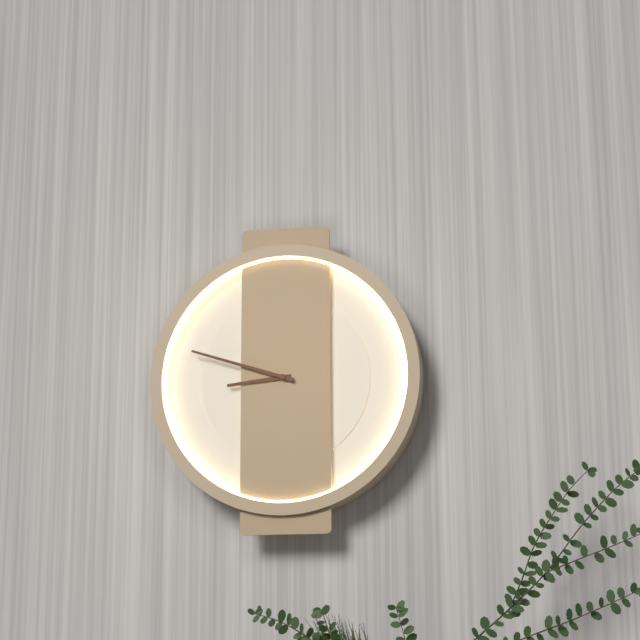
8:48
